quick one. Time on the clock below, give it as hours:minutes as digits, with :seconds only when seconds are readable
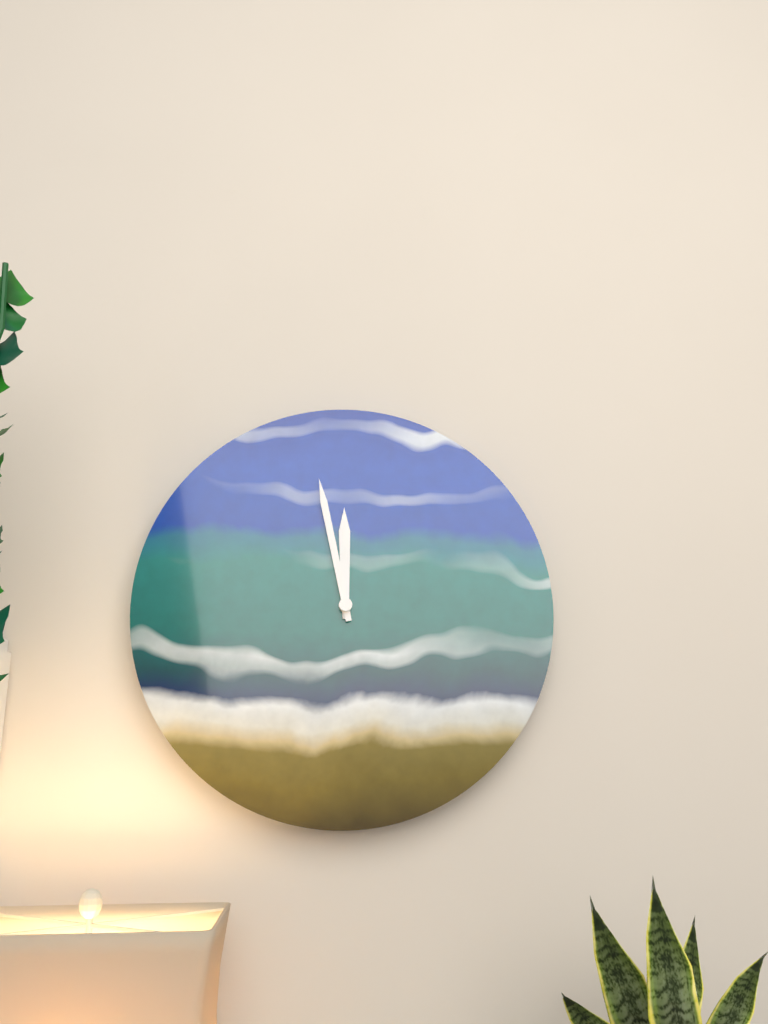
11:58
